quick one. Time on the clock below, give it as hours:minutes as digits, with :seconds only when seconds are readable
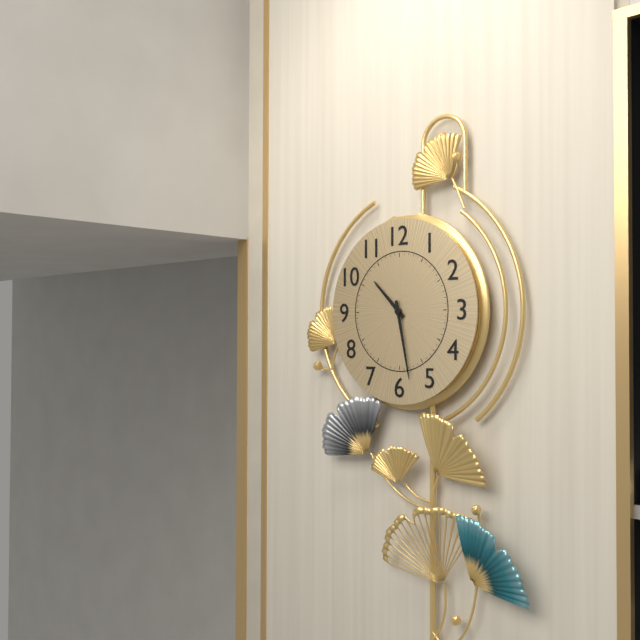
10:28
